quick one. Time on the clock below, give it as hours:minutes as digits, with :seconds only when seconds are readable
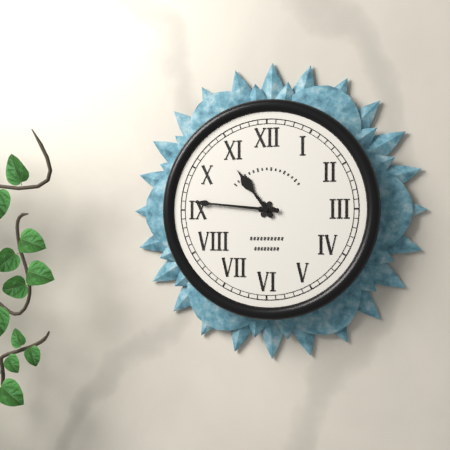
10:46
